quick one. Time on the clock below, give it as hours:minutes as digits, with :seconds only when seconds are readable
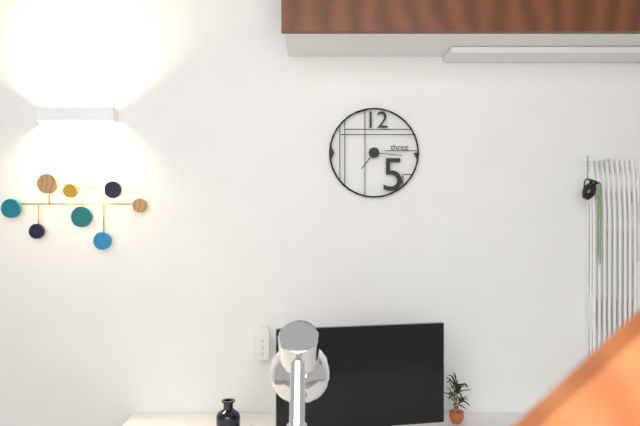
7:16
